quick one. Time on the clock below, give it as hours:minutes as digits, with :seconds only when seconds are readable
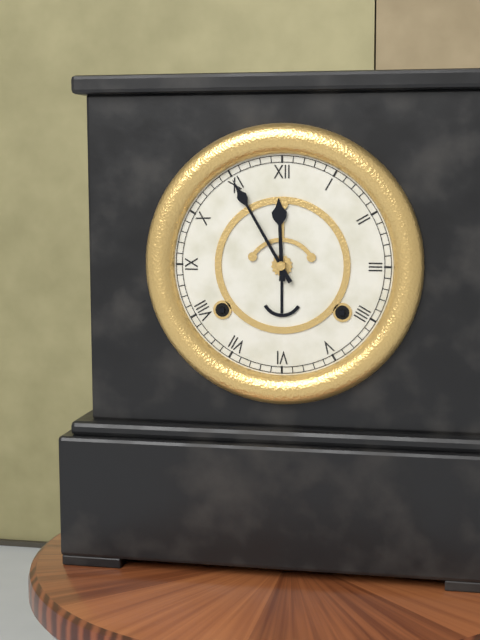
11:55
